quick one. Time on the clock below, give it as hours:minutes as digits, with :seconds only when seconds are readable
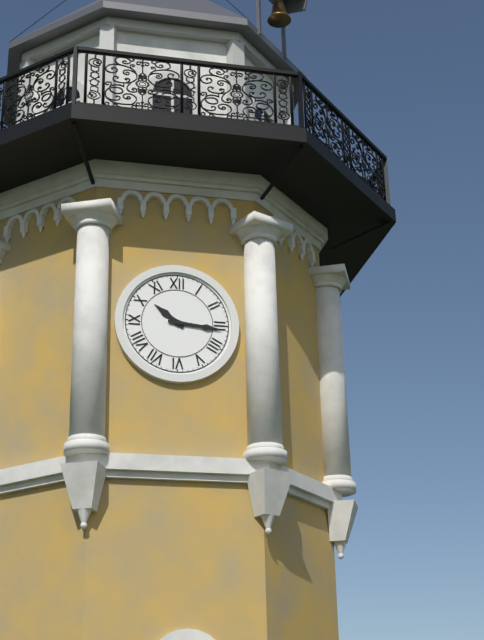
10:16
